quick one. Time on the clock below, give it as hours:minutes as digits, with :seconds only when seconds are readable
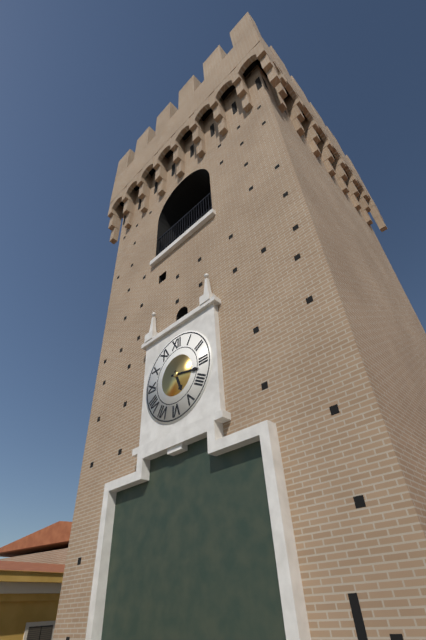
5:17
